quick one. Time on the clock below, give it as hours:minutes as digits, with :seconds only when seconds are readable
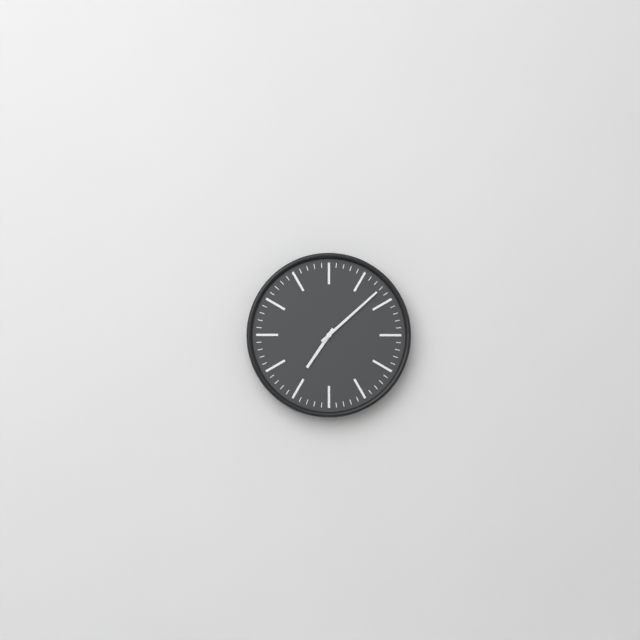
7:08
